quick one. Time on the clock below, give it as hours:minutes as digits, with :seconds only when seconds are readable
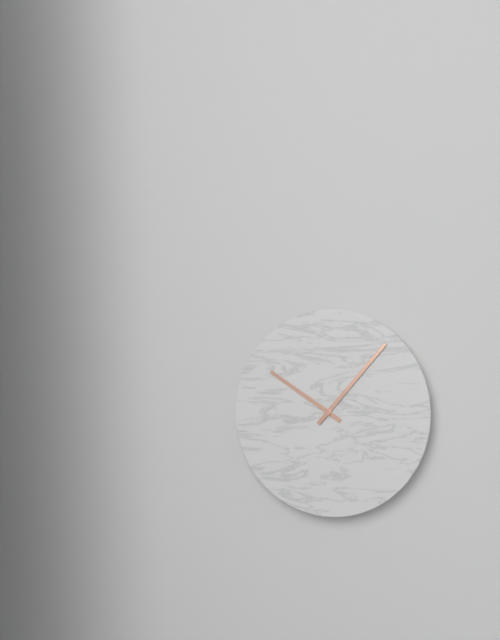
10:07
